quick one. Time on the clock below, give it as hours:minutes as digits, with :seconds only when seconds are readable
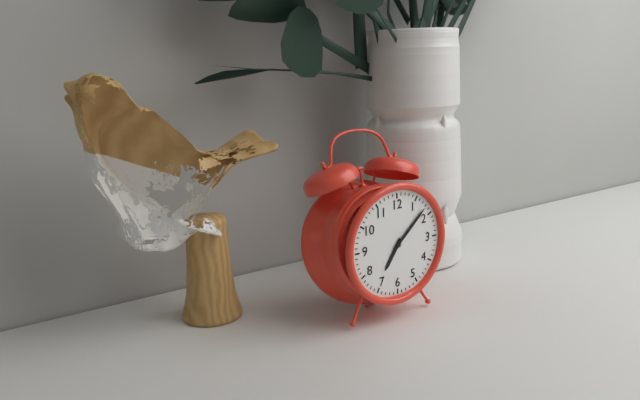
7:08
